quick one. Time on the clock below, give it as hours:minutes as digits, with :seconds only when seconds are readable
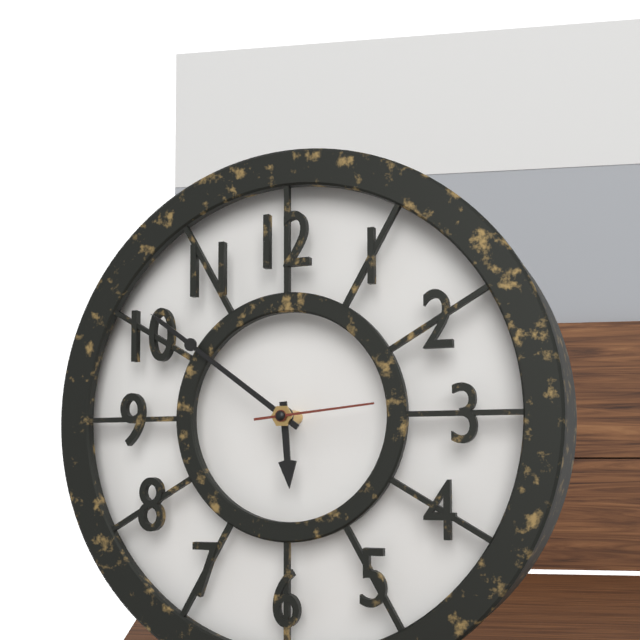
5:51:14
